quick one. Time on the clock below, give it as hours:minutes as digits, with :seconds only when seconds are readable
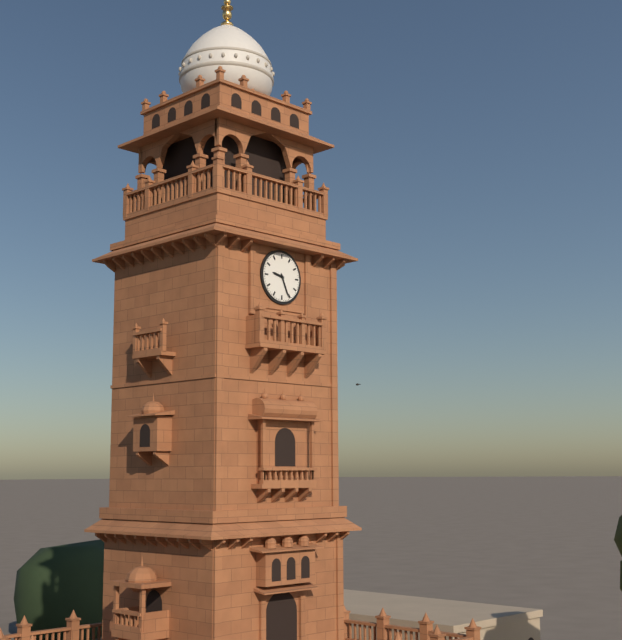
9:26
